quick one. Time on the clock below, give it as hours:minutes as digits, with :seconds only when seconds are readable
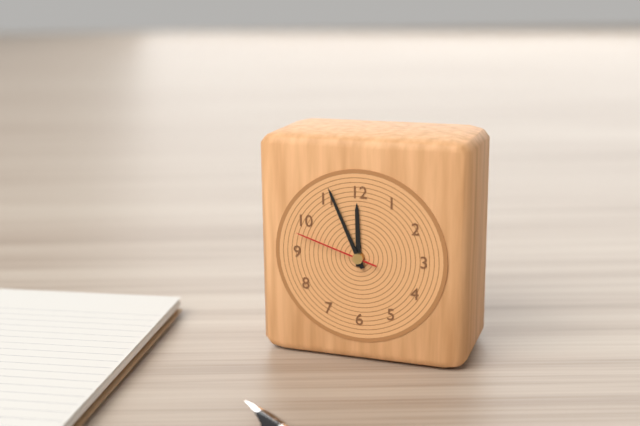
11:56:48
